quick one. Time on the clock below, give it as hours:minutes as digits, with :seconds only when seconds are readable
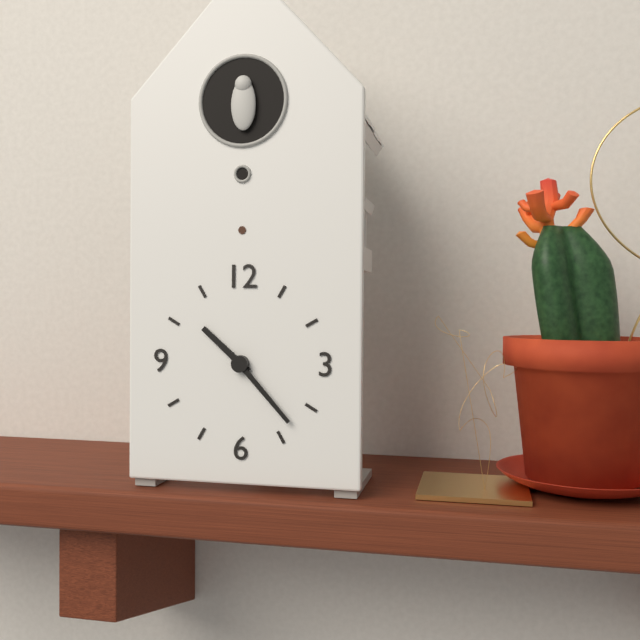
10:23
